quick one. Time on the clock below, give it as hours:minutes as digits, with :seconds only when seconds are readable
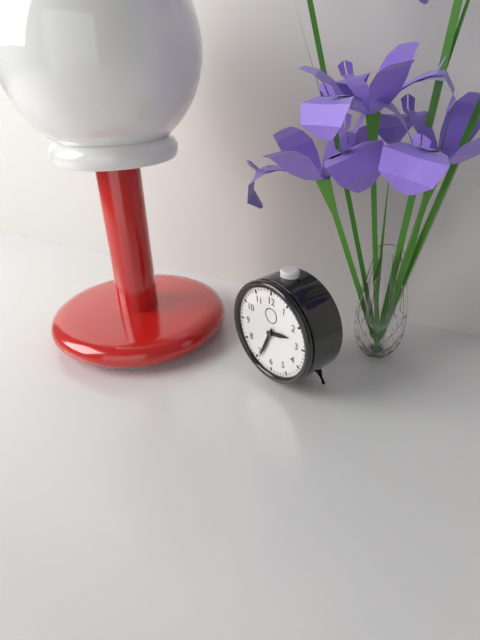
2:34
